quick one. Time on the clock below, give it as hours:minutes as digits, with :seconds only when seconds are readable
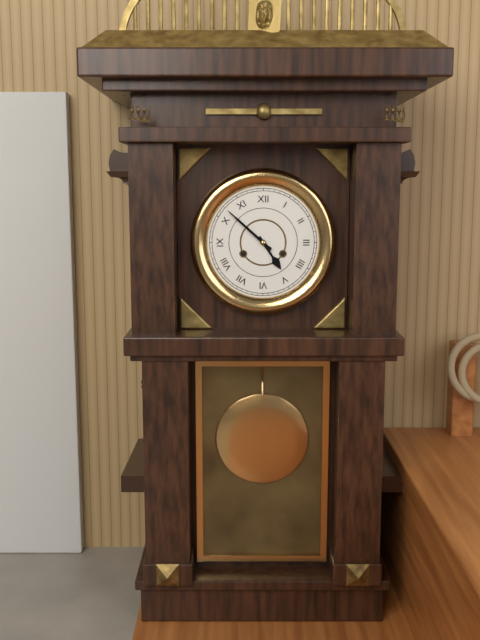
4:52
